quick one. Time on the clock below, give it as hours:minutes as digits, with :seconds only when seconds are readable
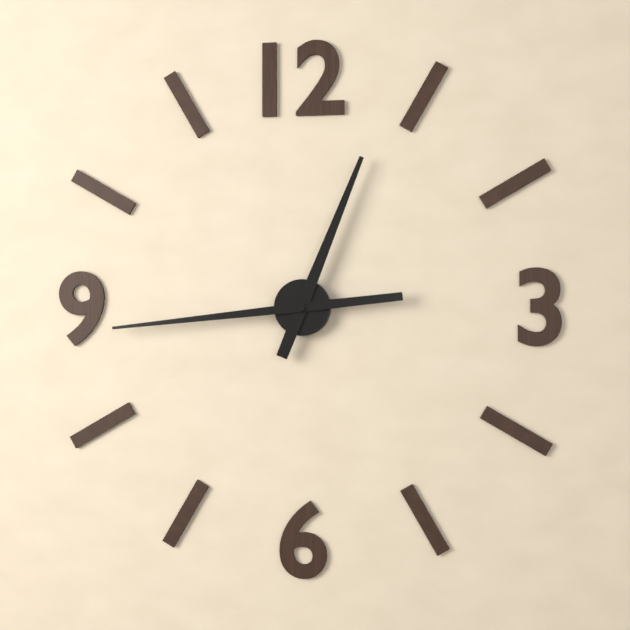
12:44
